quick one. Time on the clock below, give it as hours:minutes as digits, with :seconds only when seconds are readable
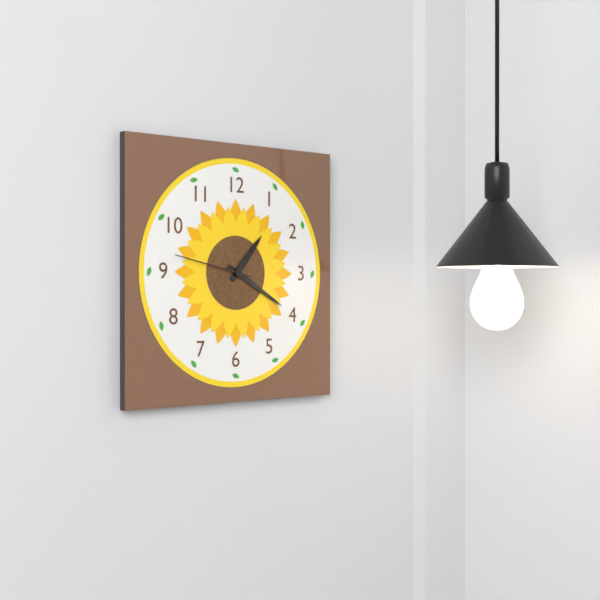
1:20:47
